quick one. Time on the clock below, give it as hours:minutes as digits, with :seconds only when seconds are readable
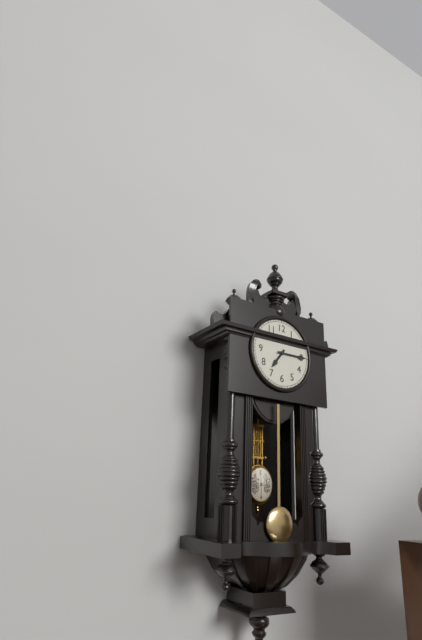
7:15
